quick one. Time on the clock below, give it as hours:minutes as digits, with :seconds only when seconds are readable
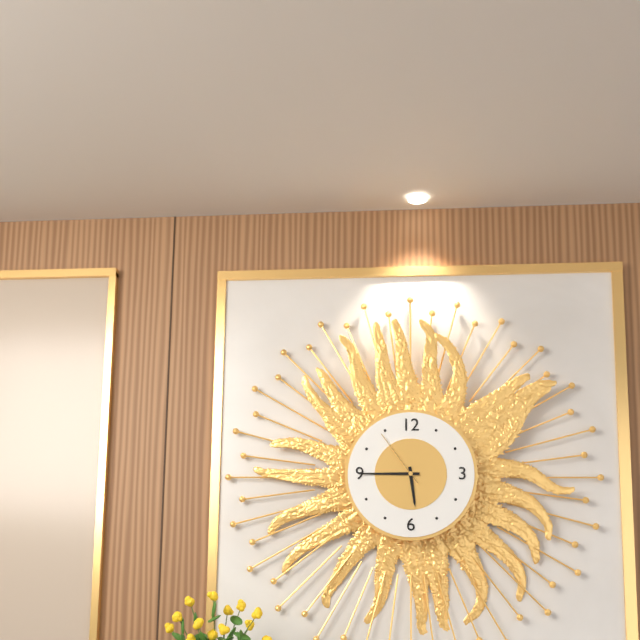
5:45:54
